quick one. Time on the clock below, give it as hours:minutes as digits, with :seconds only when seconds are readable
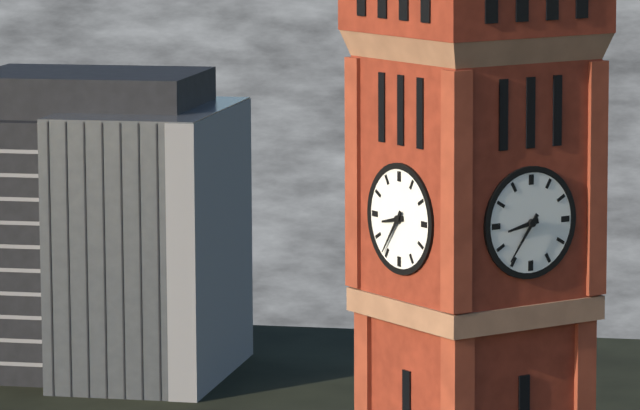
8:36
